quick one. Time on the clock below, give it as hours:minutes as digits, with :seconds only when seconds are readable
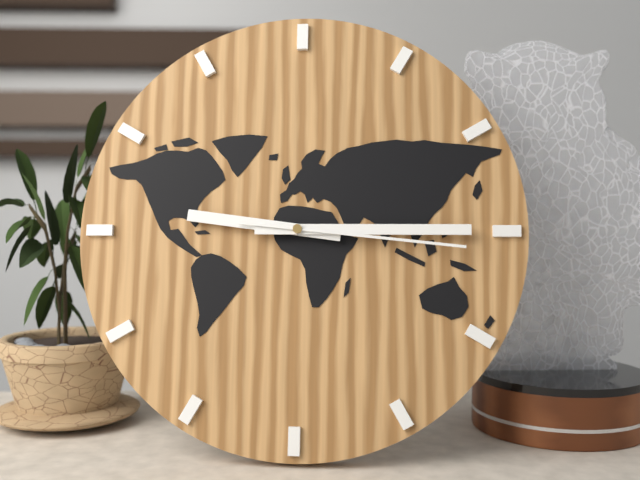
9:15:16
